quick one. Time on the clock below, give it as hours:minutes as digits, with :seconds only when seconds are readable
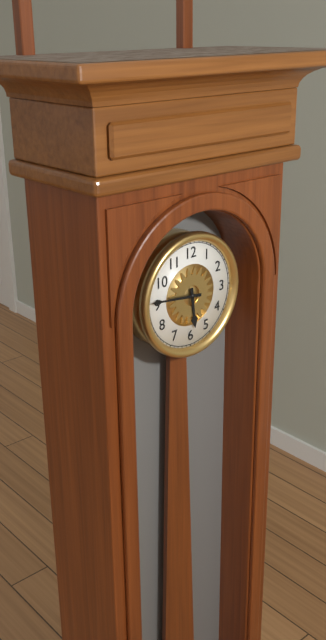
5:46
